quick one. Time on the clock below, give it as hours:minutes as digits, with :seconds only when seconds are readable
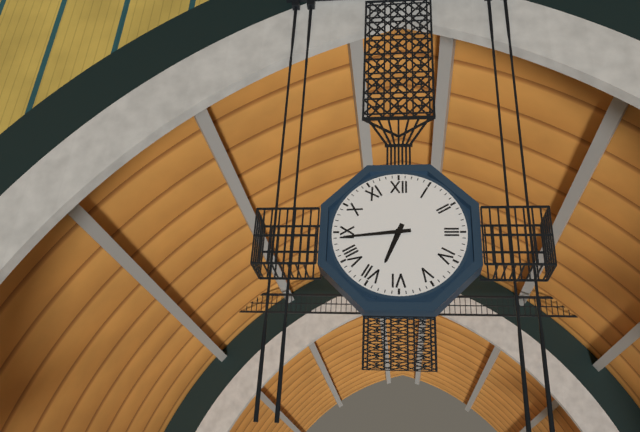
6:44
